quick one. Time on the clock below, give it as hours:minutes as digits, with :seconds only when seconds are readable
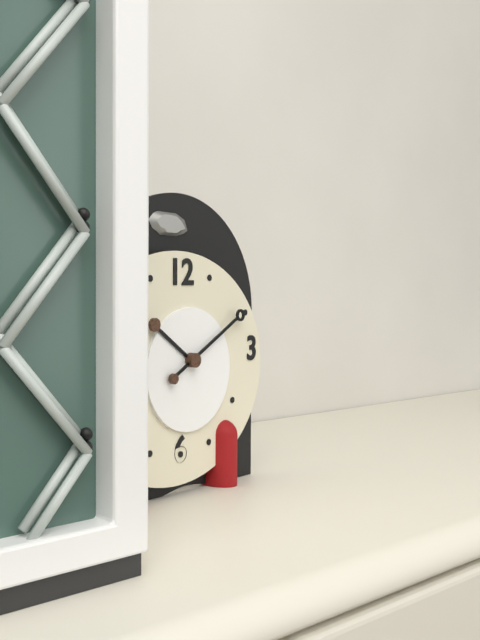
10:10
